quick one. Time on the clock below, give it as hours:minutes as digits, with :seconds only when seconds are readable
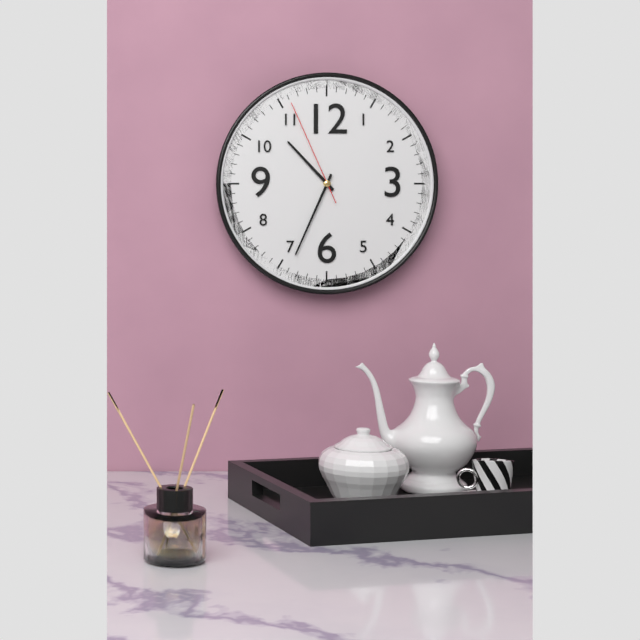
10:34:56
